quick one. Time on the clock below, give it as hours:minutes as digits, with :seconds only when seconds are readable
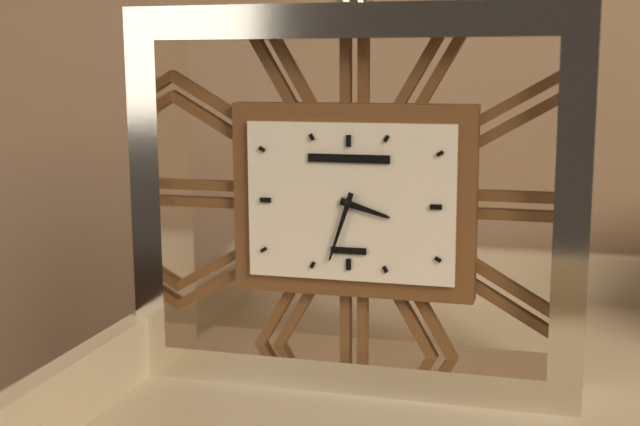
3:33
